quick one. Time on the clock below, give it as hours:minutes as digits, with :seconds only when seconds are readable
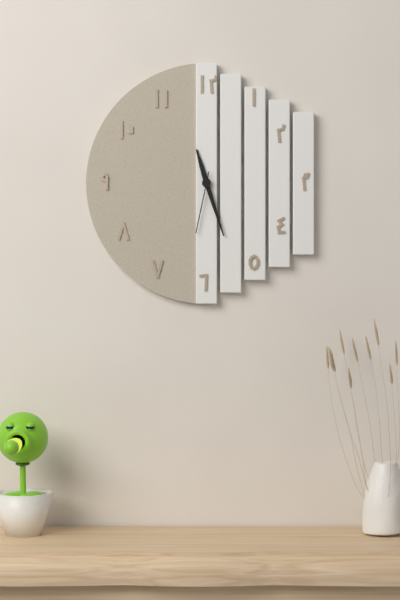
11:27:32
